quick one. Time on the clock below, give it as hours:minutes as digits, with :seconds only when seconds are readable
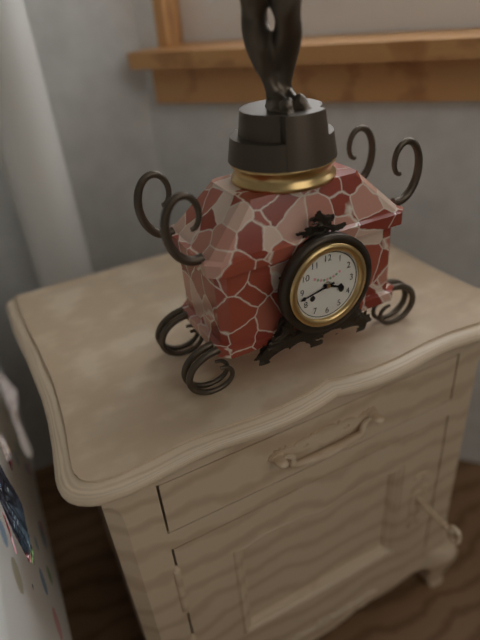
3:43
